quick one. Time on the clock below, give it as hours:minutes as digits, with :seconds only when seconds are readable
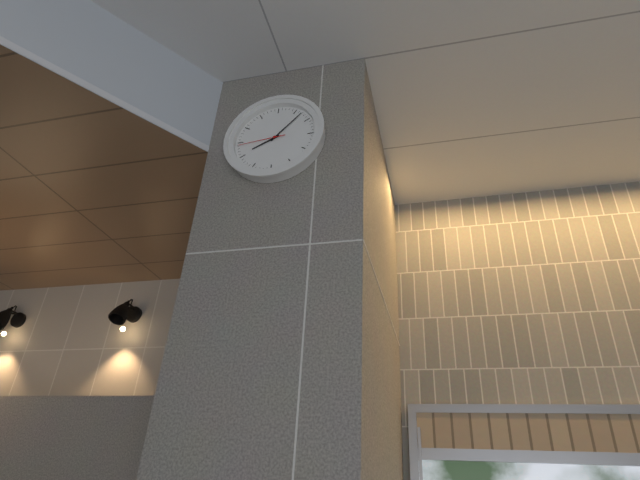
8:07
